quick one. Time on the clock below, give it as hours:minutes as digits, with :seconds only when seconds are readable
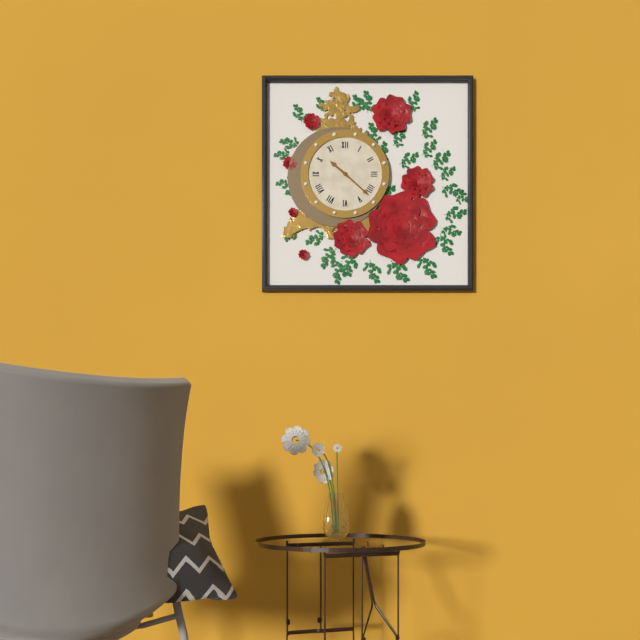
10:22
